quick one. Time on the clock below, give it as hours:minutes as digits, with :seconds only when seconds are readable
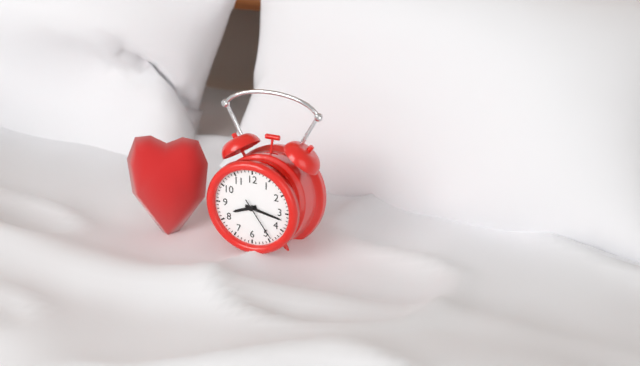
8:17
